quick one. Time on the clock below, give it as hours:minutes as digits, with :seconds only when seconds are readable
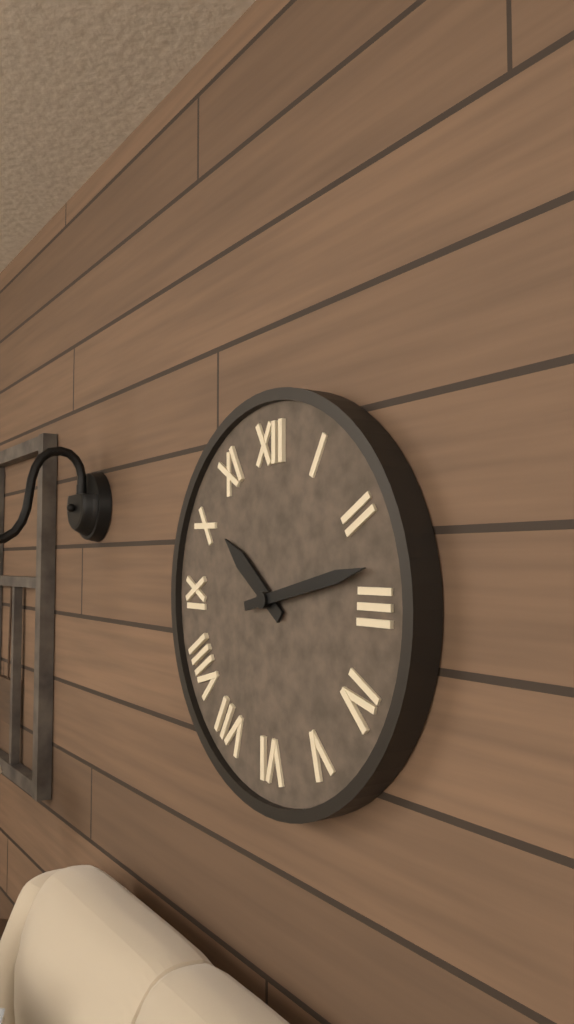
10:13
